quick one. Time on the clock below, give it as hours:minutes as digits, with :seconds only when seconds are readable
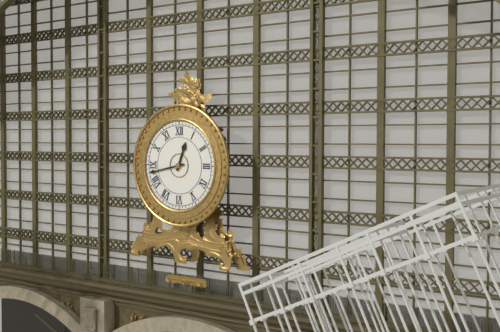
12:43
